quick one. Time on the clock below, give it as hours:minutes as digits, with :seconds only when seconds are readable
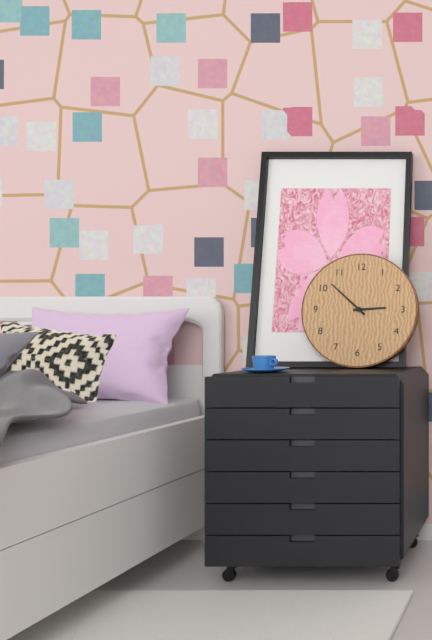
2:52
